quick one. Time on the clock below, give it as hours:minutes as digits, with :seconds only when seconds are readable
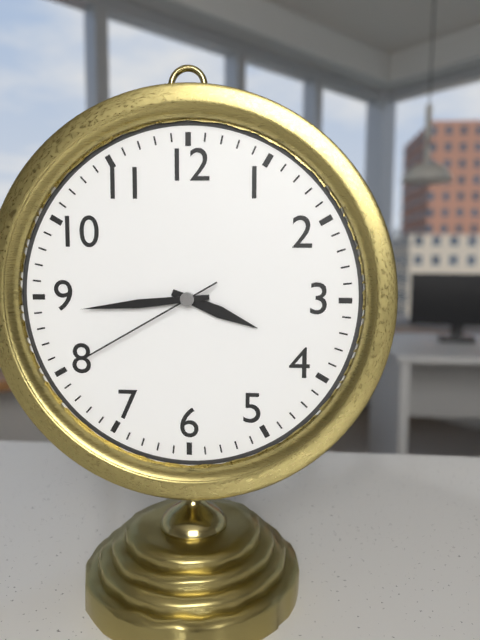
3:44:40
